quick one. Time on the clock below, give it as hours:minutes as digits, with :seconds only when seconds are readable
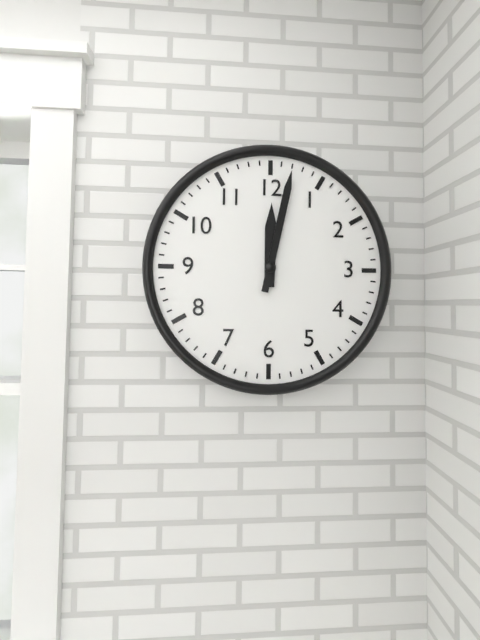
12:02
